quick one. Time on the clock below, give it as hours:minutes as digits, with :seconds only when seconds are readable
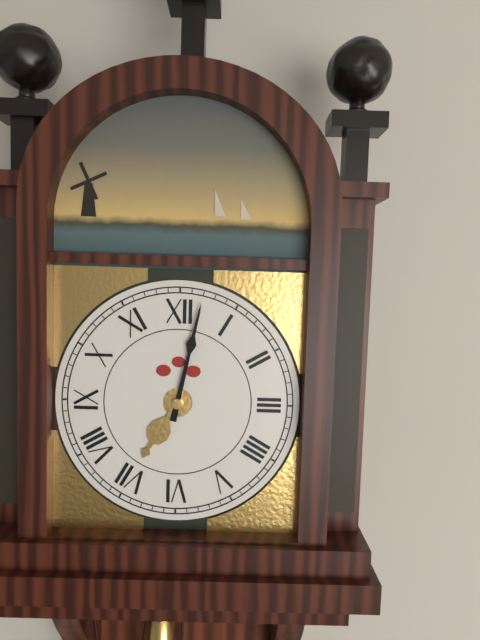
7:02
